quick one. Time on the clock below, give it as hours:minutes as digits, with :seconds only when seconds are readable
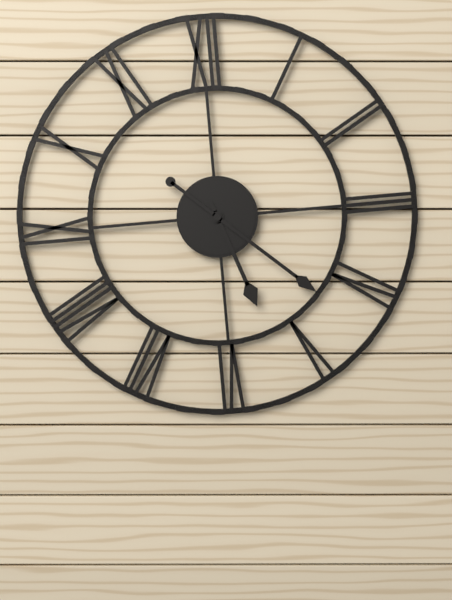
5:22
